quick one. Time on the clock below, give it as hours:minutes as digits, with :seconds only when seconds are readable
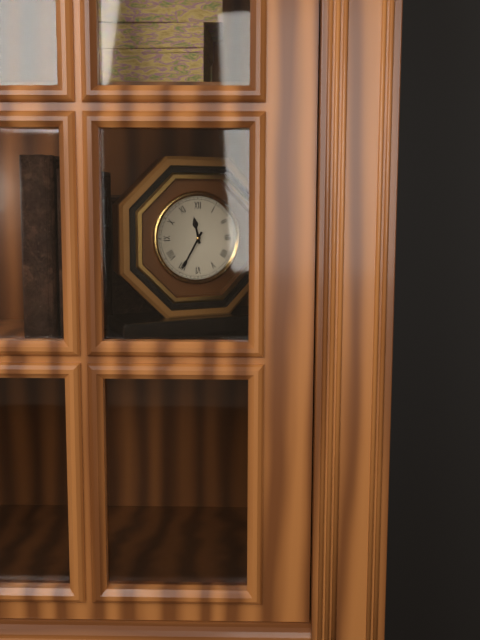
11:35
